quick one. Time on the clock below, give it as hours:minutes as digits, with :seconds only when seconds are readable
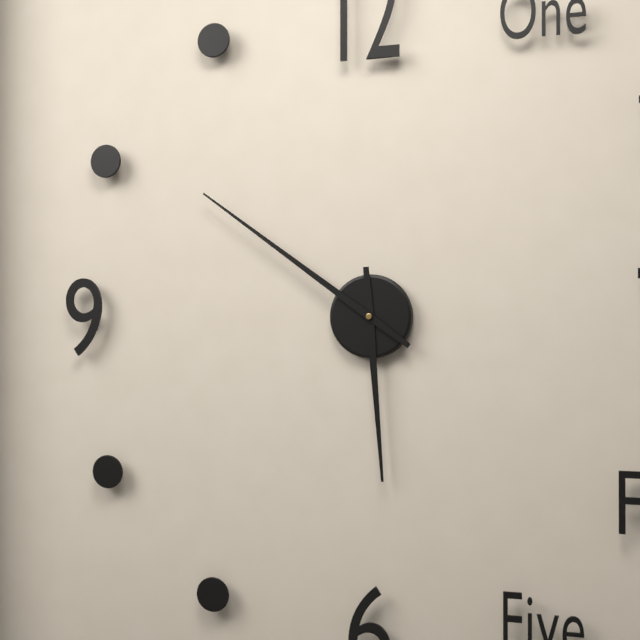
5:51
